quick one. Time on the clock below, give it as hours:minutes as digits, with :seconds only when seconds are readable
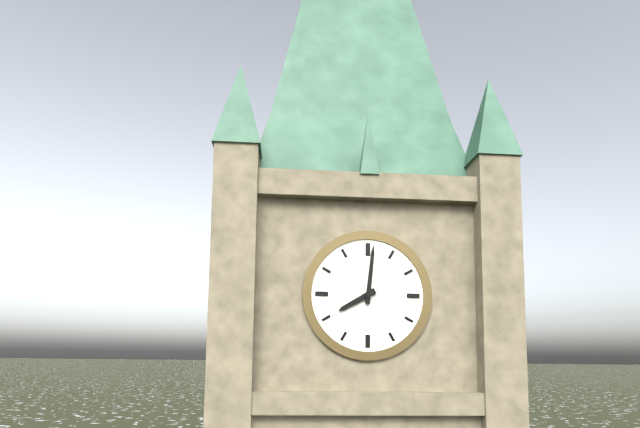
8:01
